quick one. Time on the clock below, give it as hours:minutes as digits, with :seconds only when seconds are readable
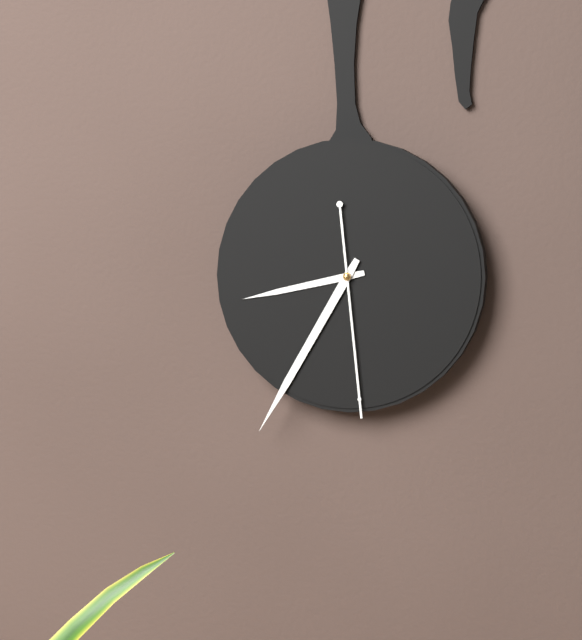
8:35:29
